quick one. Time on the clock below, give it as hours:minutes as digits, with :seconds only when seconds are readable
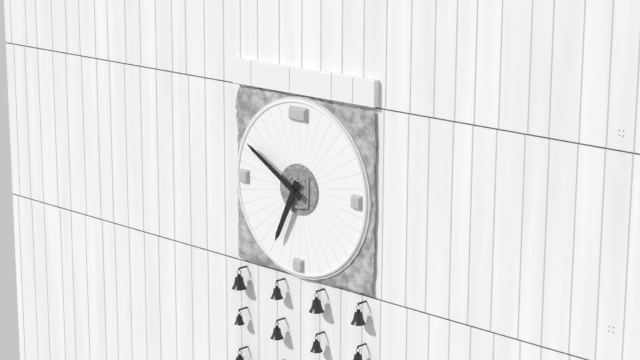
6:50
